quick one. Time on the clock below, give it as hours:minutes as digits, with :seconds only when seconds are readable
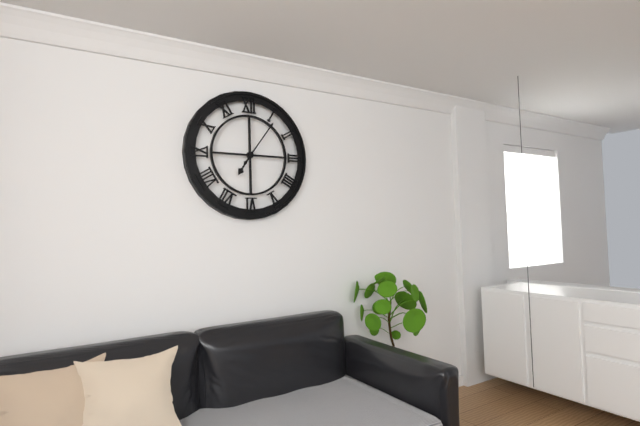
7:06
